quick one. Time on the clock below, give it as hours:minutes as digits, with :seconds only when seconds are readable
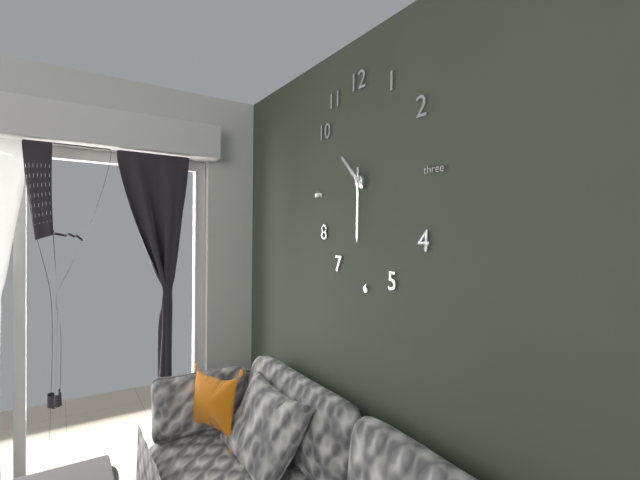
10:30
